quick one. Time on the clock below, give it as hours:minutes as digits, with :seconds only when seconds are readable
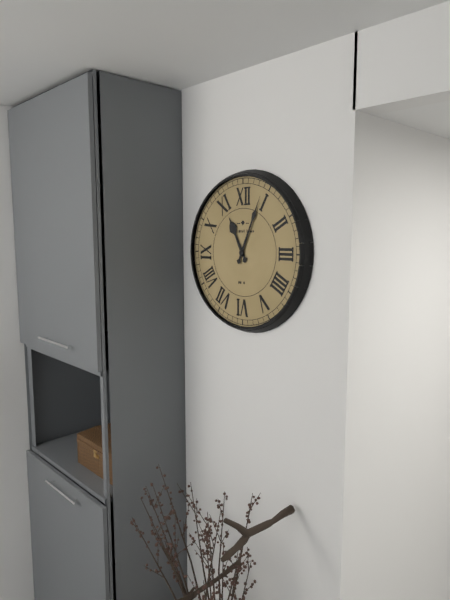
11:04
